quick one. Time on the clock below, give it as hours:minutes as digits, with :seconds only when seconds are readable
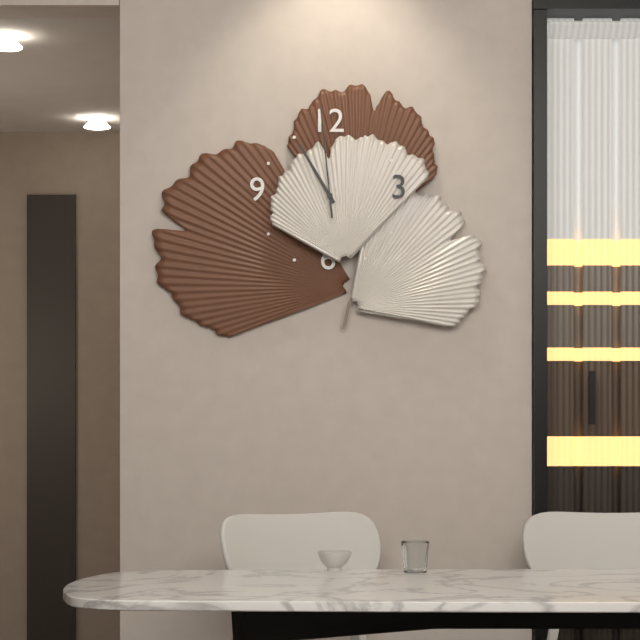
10:59
